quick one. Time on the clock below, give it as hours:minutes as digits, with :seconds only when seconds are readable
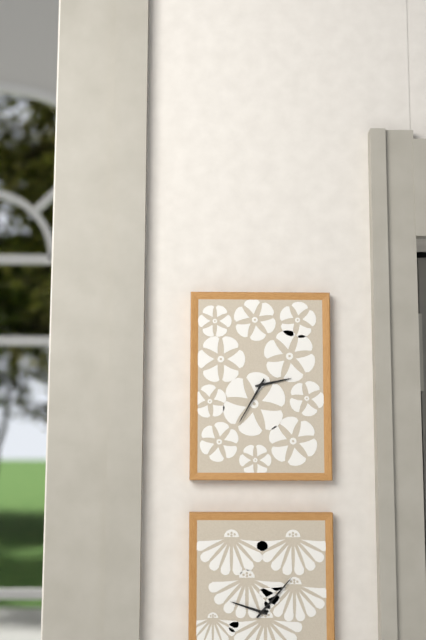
2:35
